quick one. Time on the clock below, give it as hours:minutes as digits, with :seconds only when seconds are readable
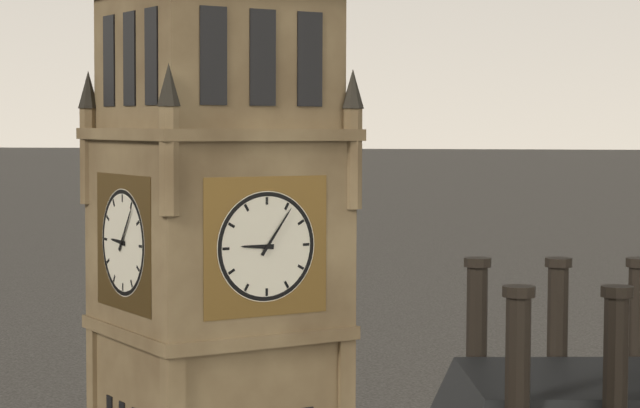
9:06
